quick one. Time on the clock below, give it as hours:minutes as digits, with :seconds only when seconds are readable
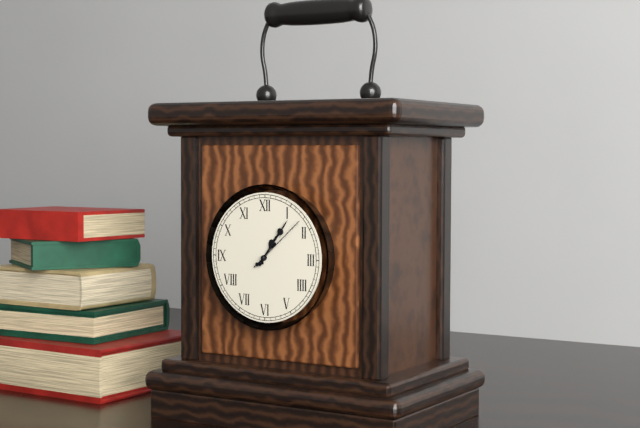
1:06:08
